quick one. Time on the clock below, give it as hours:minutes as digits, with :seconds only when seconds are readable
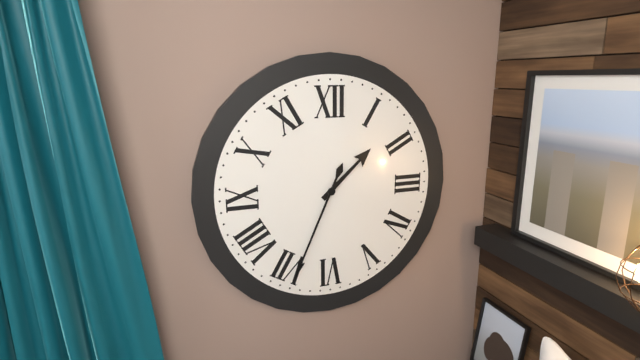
1:34
